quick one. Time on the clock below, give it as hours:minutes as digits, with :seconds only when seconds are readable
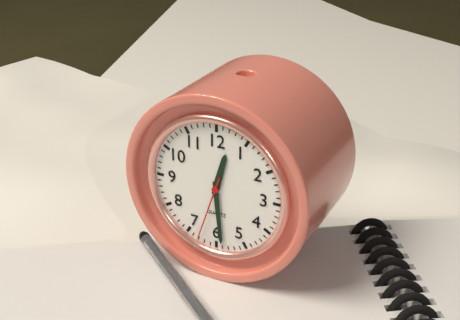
12:29:33
